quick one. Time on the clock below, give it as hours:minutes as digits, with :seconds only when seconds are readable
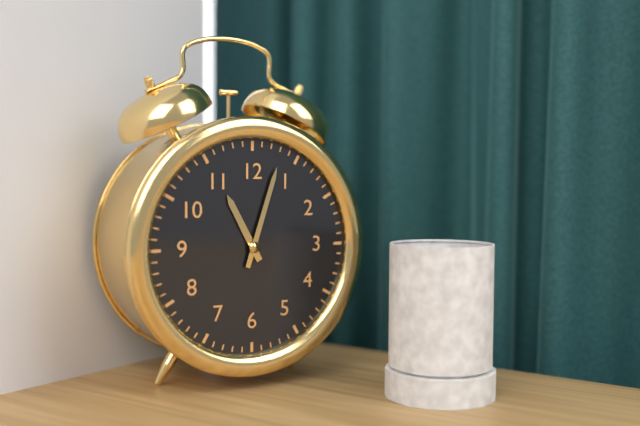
11:03
